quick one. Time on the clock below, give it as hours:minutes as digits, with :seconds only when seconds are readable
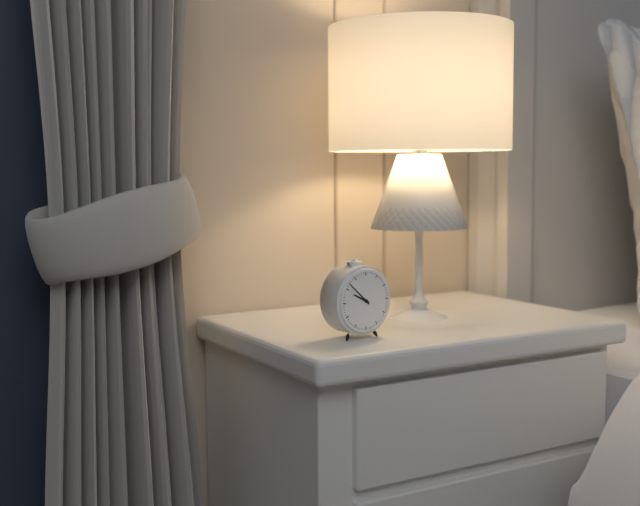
9:52
